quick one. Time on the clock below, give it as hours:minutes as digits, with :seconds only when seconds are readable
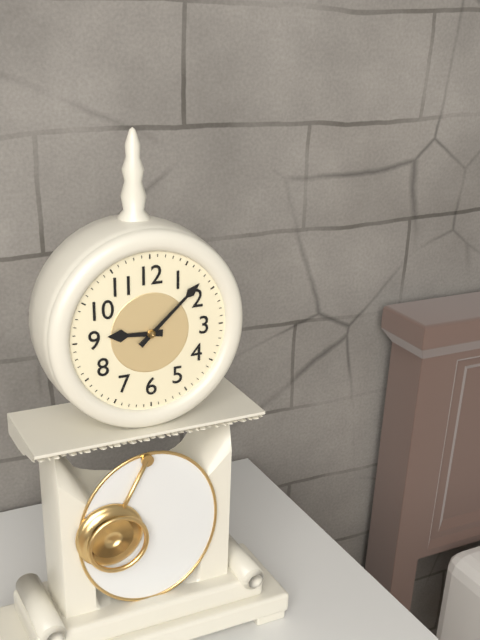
9:08
